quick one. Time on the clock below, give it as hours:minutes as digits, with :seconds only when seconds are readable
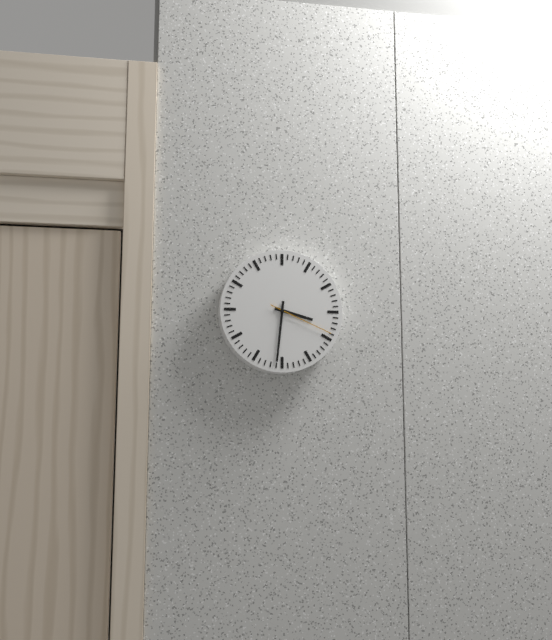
3:31:19
